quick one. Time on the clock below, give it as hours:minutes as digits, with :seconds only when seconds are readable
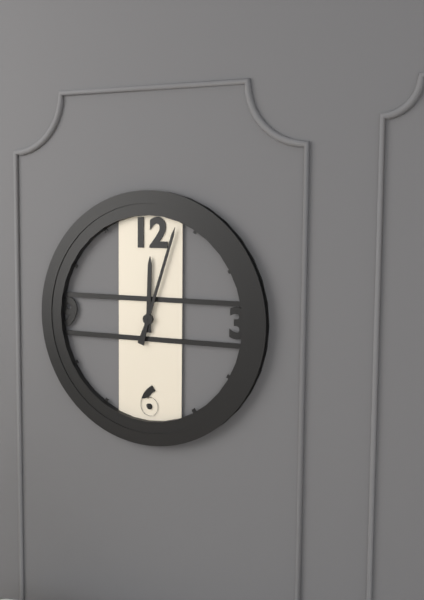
12:03
